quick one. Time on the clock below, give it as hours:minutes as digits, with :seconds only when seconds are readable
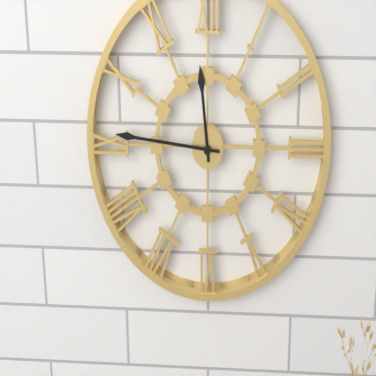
11:46
